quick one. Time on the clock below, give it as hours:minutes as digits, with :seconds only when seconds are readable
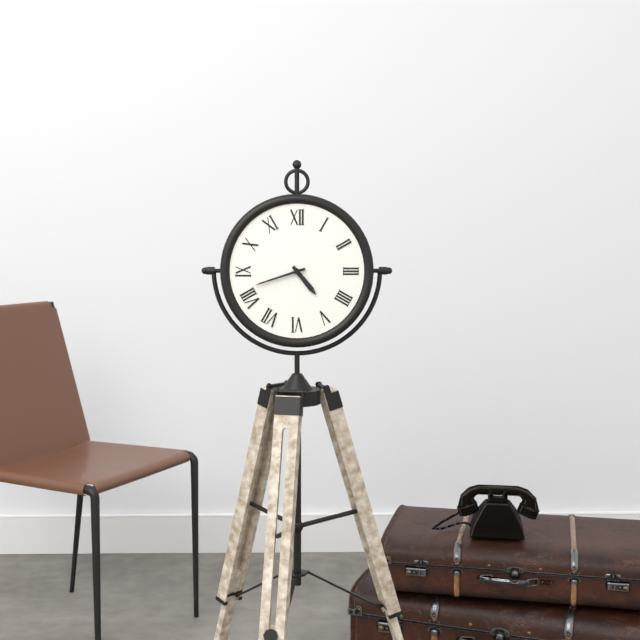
4:42
